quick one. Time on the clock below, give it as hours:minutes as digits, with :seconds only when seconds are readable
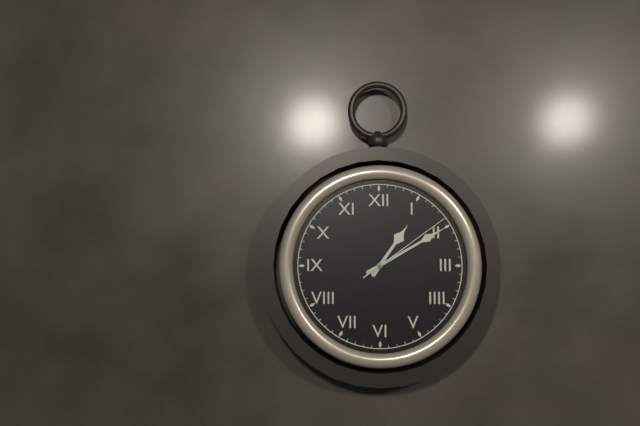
1:10:09
